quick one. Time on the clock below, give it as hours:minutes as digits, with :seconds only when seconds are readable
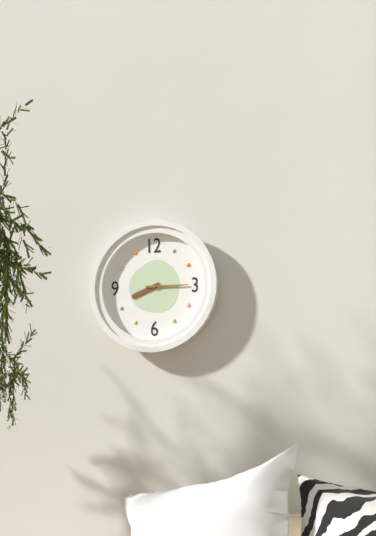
8:15
